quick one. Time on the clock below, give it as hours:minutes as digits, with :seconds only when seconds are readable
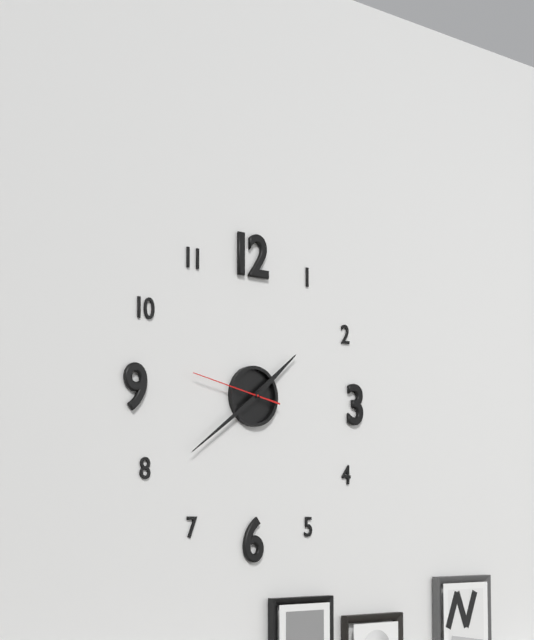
1:39:47
